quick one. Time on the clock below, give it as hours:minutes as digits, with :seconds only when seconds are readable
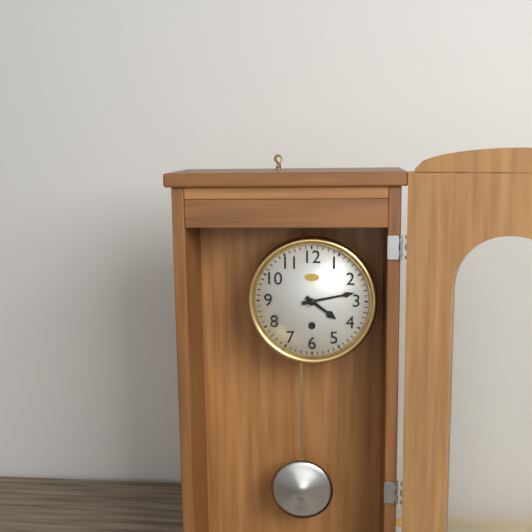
4:13
